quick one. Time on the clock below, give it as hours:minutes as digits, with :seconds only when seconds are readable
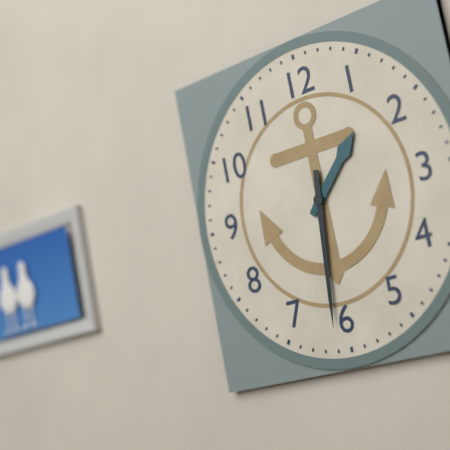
1:31
